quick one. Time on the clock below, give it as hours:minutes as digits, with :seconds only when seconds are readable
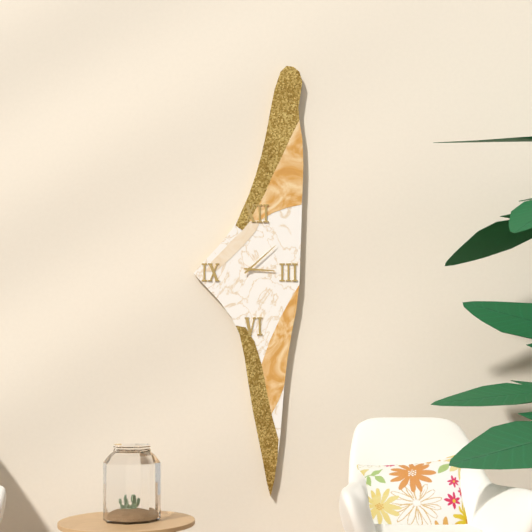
3:08
